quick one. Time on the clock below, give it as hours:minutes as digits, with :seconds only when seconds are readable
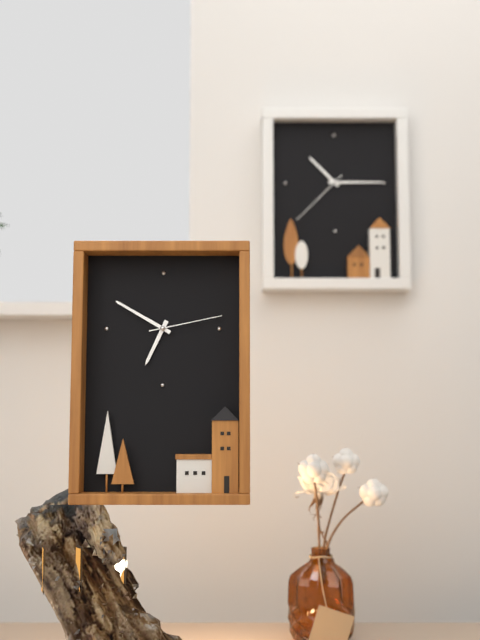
6:50:13
